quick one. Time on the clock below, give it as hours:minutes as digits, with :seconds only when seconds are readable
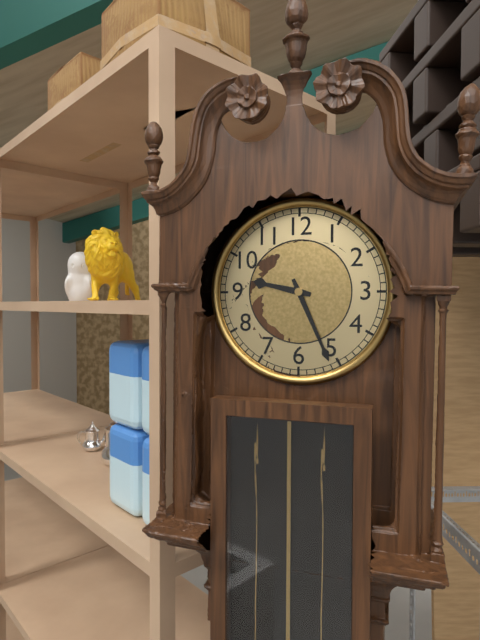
9:26
